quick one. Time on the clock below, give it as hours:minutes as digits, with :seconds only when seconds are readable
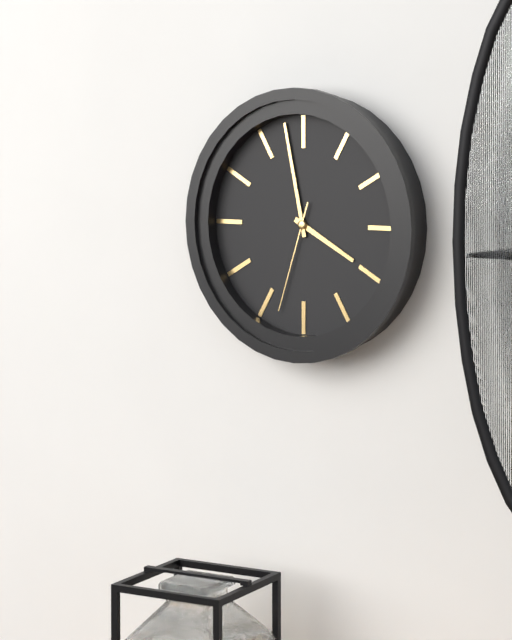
3:58:33
